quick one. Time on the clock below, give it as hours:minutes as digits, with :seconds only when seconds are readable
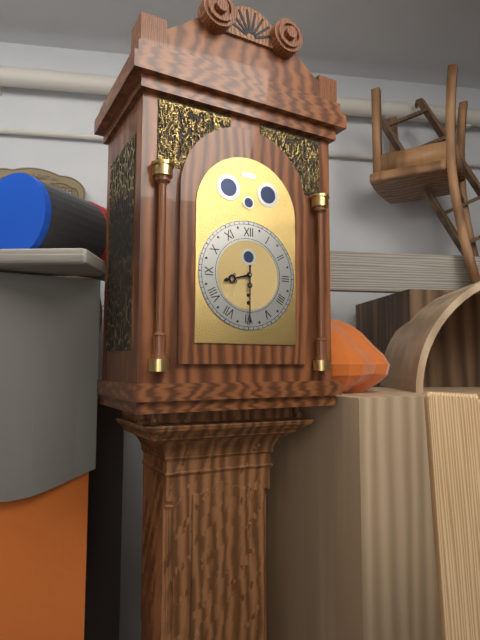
8:30
